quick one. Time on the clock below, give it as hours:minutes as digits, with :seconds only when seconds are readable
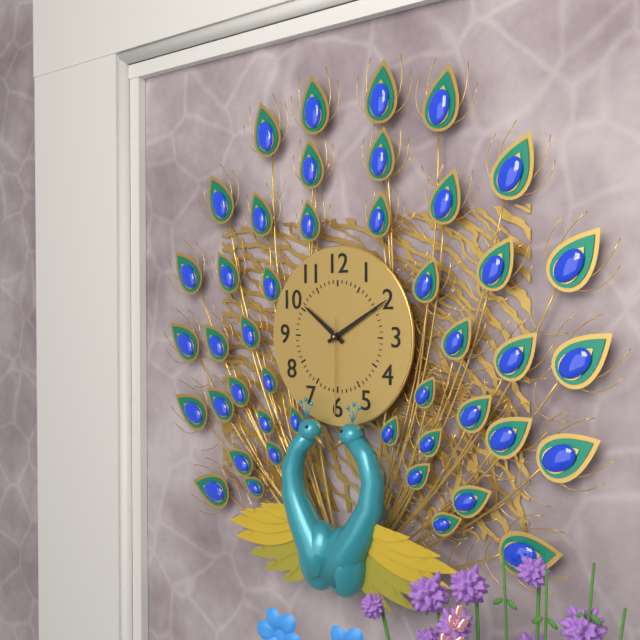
10:10:30
